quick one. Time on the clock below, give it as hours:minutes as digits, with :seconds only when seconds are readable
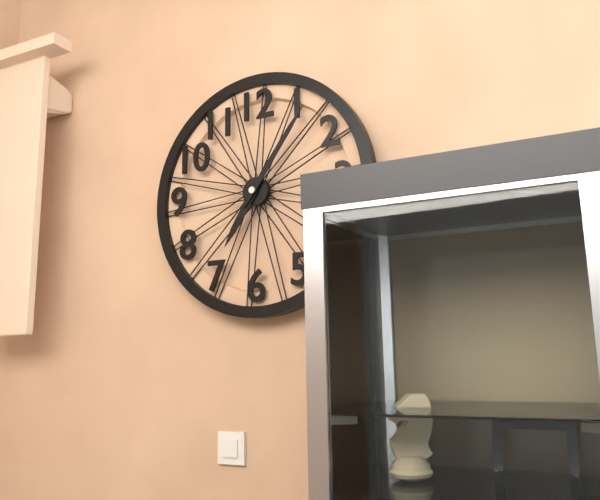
7:06
